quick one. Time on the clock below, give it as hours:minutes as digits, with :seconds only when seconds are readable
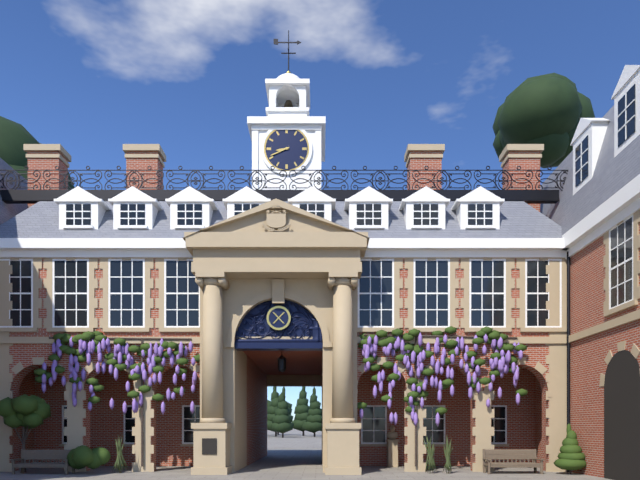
8:41
